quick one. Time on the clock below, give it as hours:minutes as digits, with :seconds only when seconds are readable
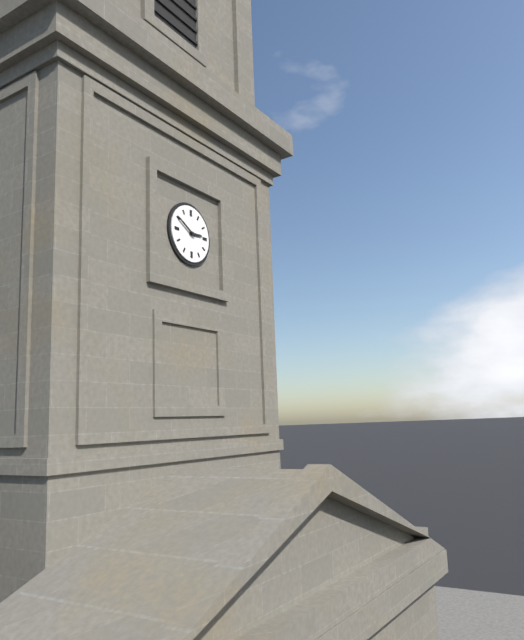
2:50
